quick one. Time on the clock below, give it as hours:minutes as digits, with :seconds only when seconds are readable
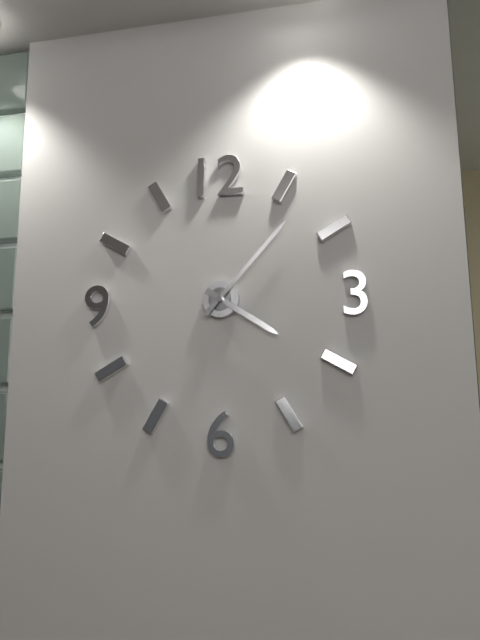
4:07
